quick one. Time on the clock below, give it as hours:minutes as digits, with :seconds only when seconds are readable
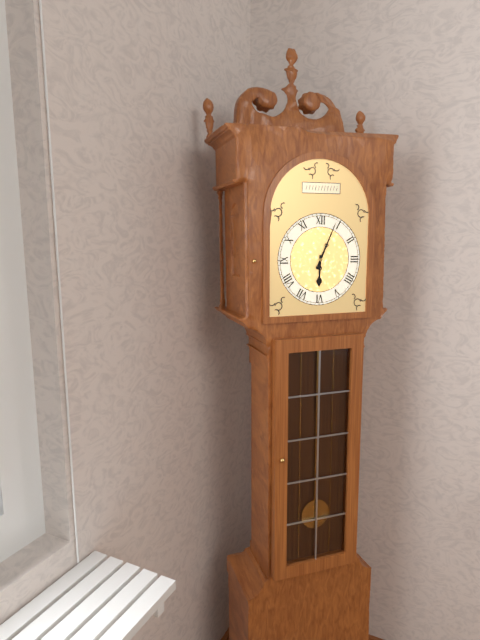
6:04
